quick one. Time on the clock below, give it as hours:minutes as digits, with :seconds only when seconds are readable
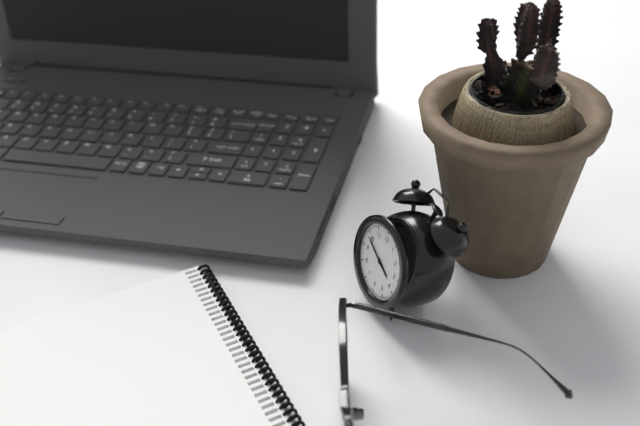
3:49
